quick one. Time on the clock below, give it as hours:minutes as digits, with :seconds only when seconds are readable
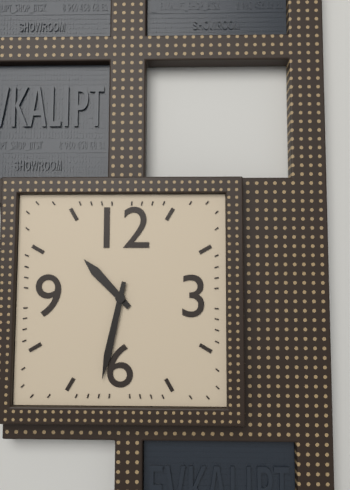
10:32
